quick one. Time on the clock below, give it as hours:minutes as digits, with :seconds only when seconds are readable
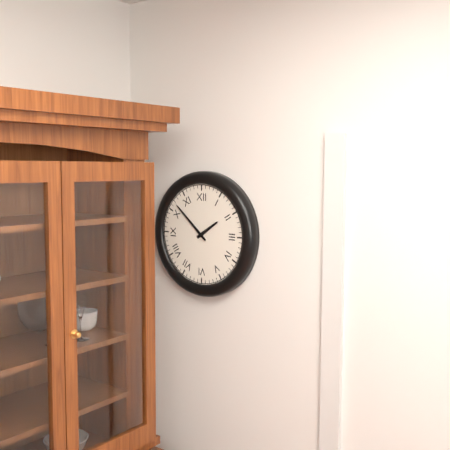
1:52
